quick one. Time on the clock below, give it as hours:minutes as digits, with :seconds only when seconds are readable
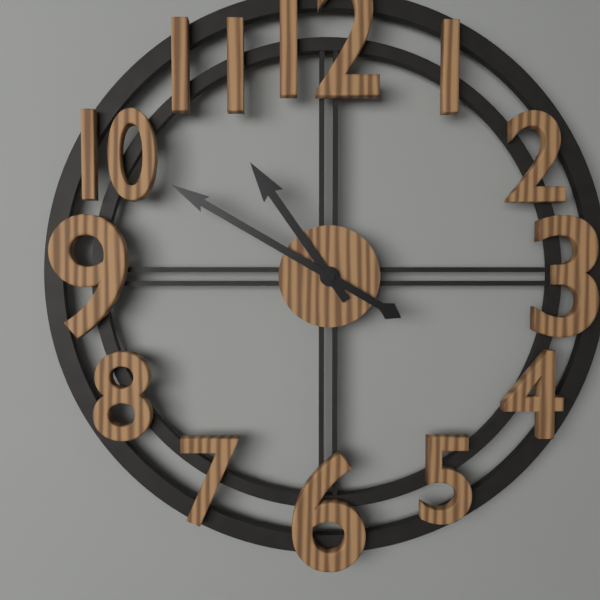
10:50
